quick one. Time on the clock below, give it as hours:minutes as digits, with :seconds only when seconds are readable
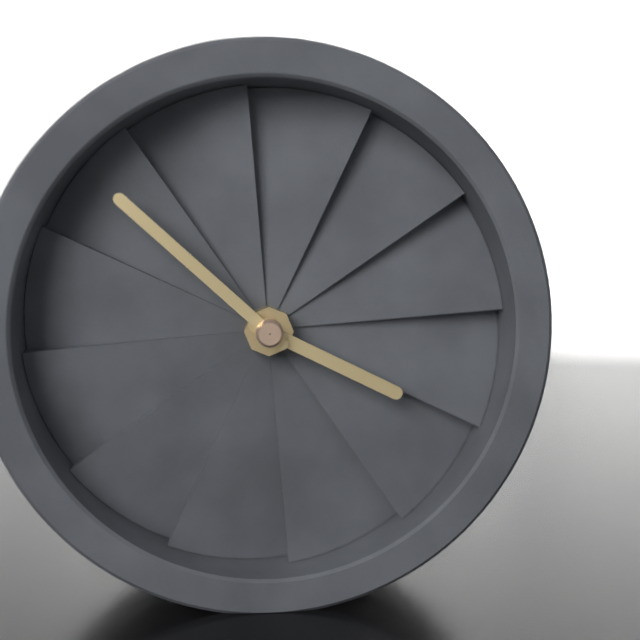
3:52
